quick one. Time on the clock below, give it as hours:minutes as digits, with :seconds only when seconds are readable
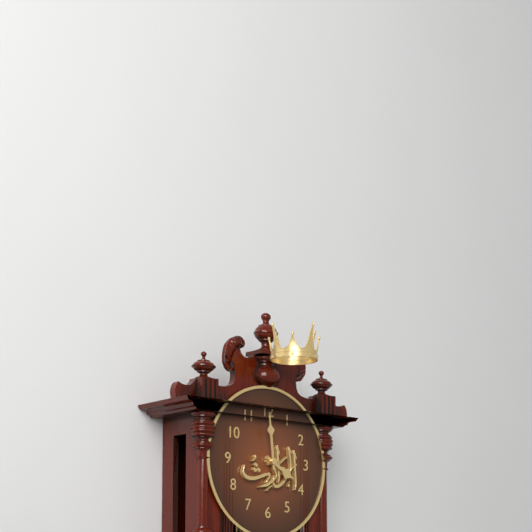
3:59
